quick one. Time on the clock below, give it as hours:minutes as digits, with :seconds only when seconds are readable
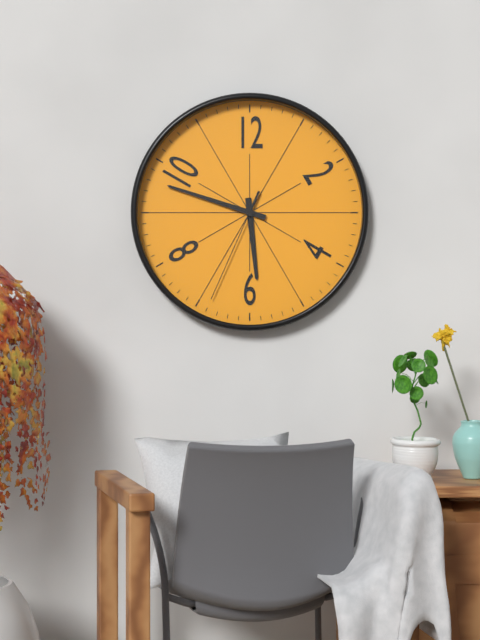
5:48:34
